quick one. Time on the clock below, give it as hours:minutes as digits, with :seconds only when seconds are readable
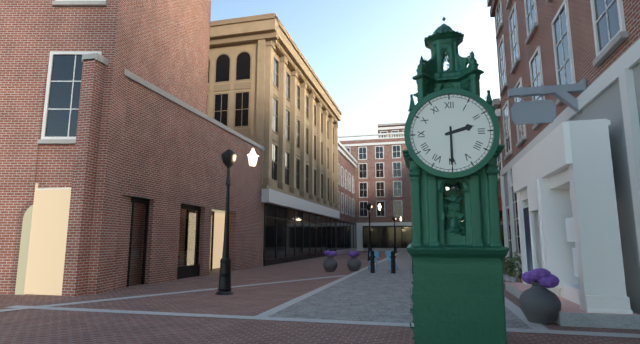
2:30
